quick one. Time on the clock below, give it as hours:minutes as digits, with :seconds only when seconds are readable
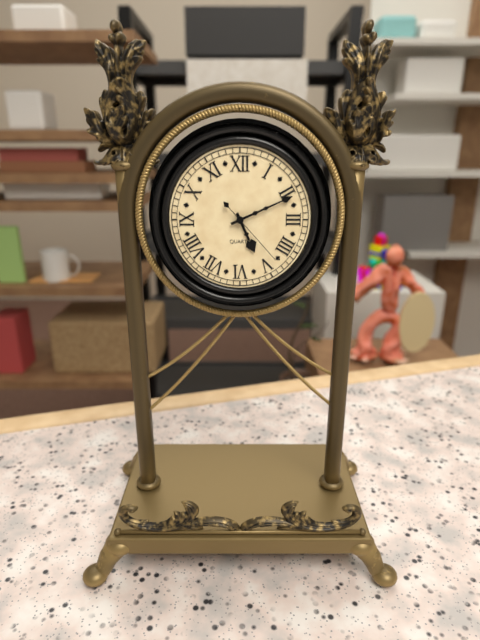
5:11:23
